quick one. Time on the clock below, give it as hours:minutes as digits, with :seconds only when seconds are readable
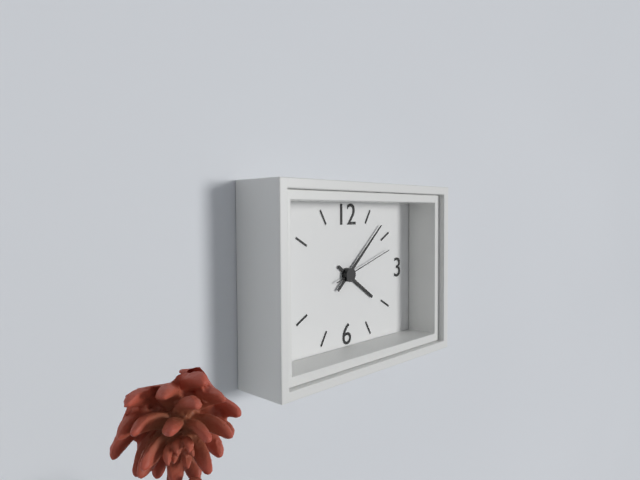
4:08:12
